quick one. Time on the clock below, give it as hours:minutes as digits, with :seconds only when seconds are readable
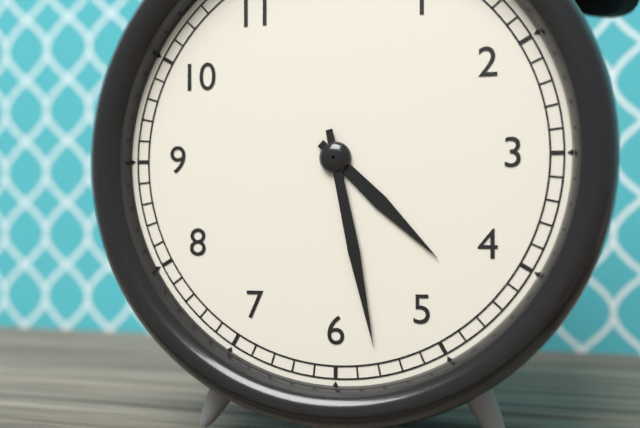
4:28
